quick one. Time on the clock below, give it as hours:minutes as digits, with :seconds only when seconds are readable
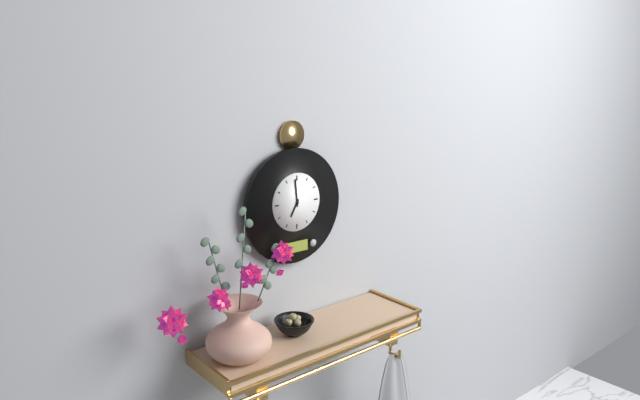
6:59
